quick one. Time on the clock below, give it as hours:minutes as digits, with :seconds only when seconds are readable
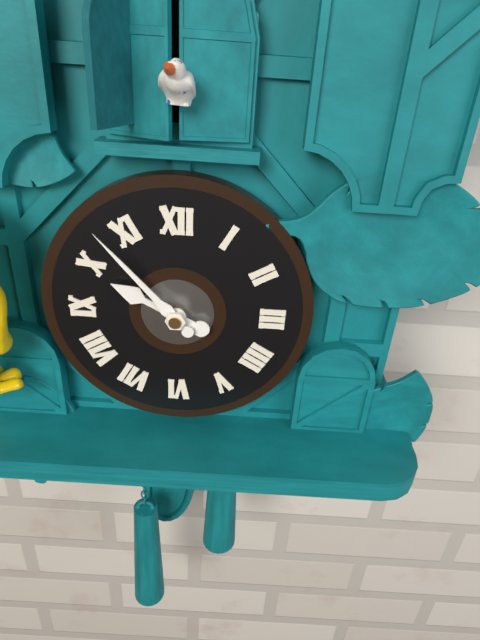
9:53
